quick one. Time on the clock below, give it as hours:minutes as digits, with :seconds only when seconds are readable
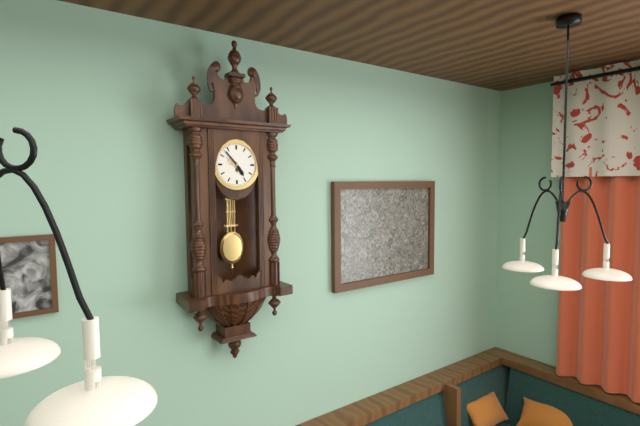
4:53
